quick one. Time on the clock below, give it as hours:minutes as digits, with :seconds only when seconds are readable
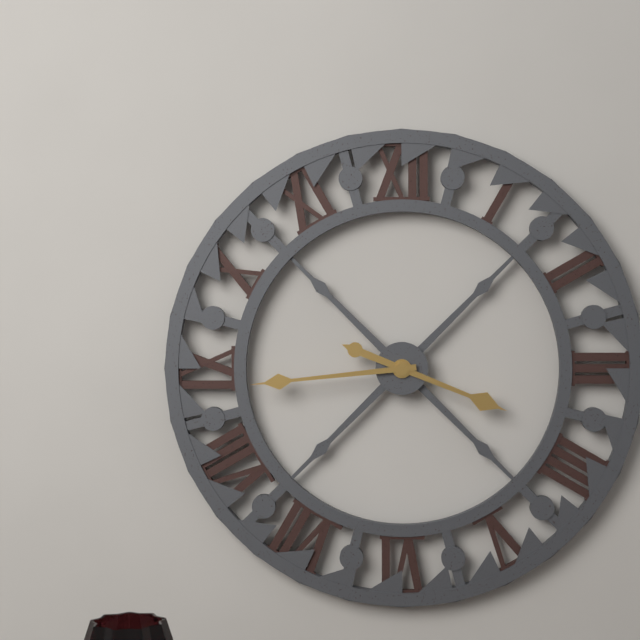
3:44
